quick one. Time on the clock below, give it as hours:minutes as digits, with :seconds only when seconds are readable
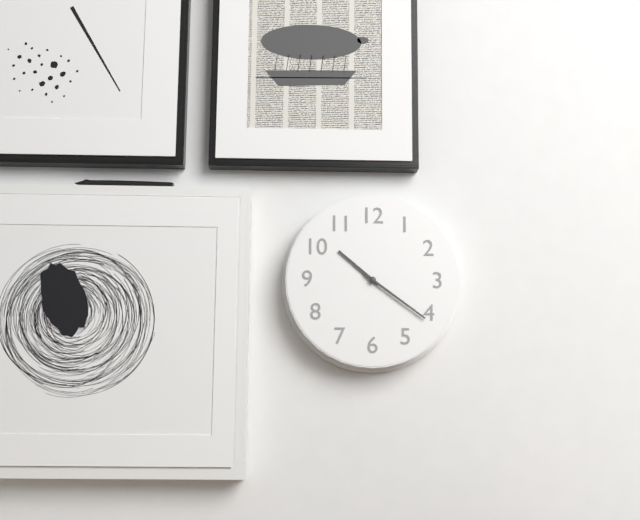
10:21
